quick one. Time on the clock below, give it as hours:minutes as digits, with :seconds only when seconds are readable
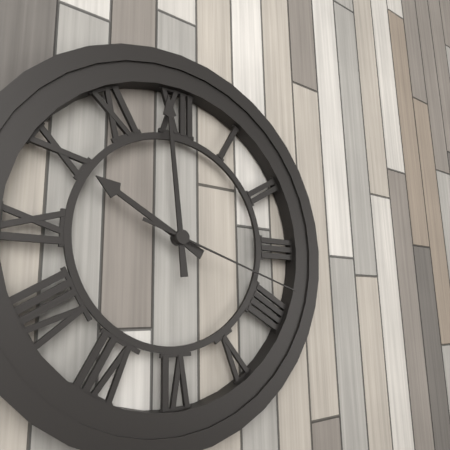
9:59:18
